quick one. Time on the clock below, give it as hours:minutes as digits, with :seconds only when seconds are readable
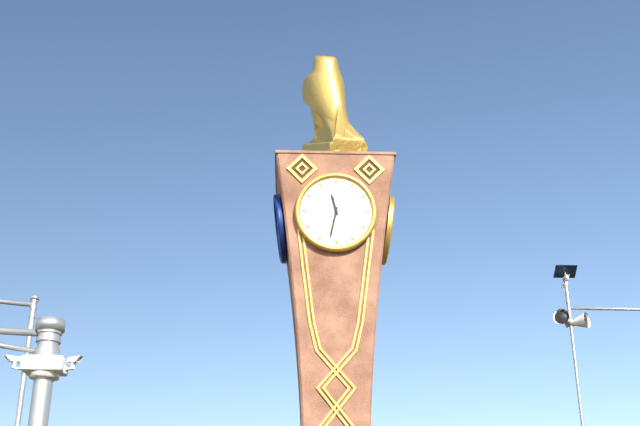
11:32
